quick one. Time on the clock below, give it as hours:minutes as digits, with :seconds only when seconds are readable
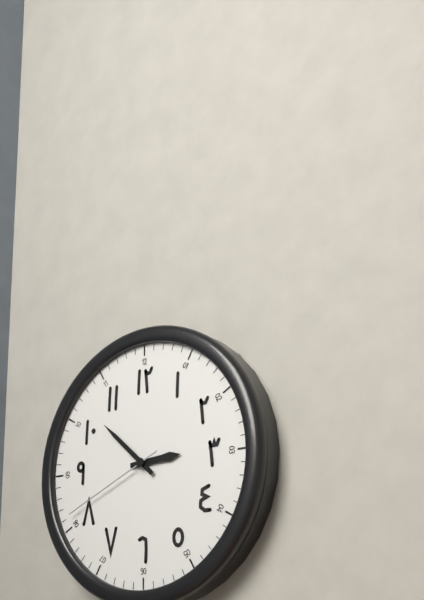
2:52:41
